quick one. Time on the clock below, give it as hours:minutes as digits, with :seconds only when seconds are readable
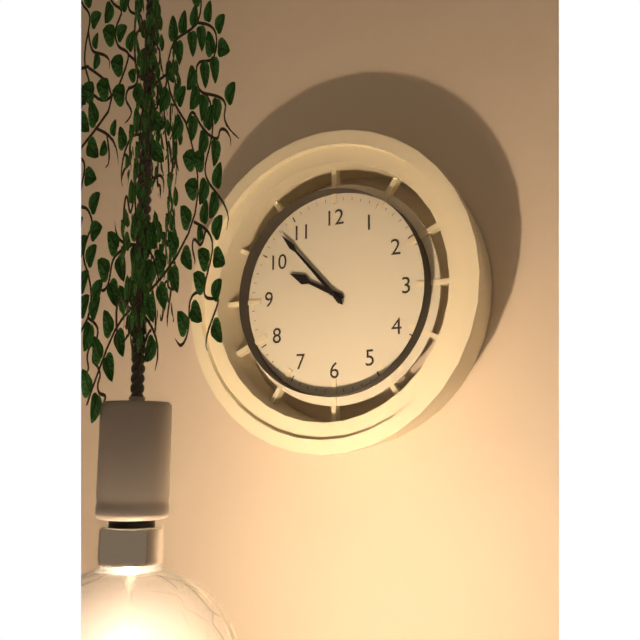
9:53
